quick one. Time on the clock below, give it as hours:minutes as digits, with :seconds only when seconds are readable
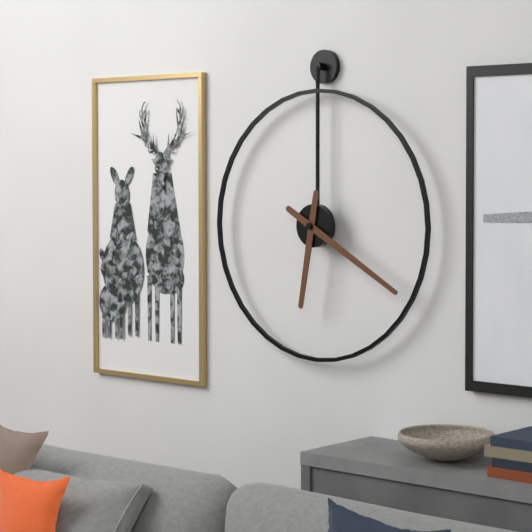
6:20
